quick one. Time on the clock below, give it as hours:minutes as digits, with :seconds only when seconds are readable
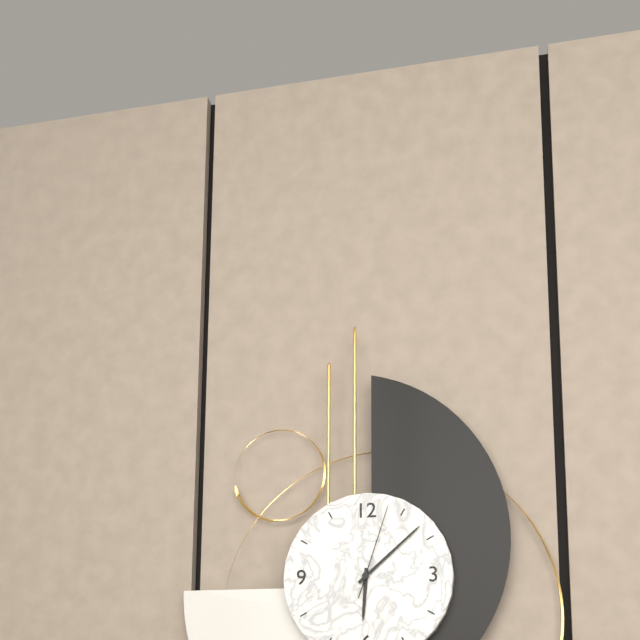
6:08:03
